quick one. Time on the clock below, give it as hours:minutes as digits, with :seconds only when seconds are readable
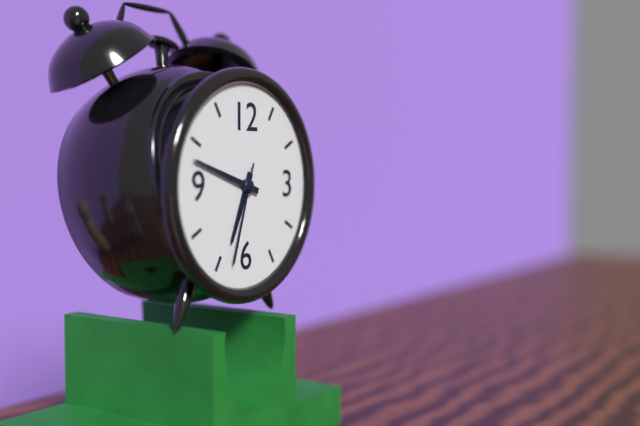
6:48:33
